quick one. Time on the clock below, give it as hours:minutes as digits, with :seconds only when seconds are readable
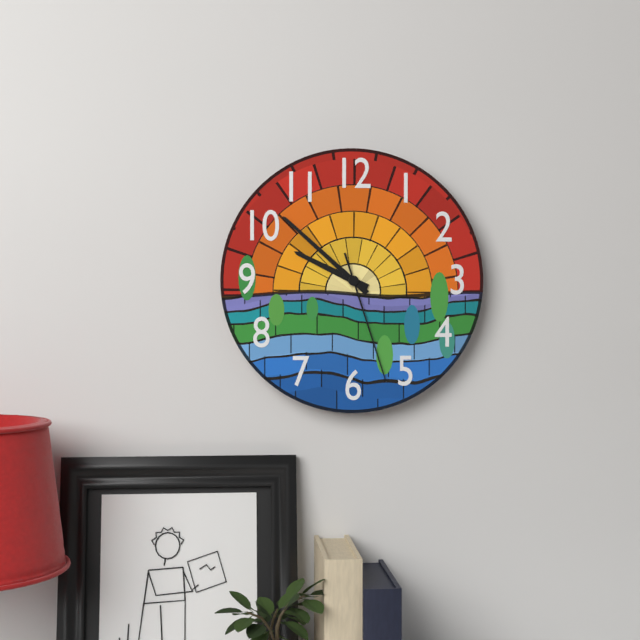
9:52:27
